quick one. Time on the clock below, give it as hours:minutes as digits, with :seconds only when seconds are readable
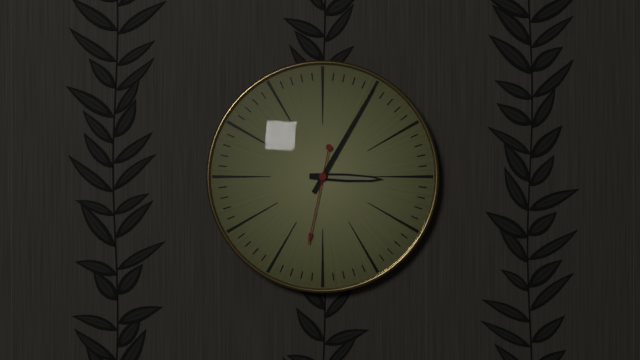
3:05:32
